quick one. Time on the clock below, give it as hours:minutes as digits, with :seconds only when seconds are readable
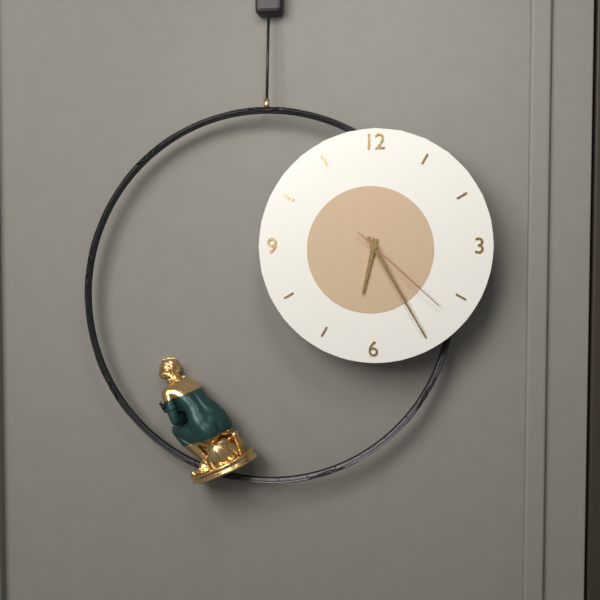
6:25:22
